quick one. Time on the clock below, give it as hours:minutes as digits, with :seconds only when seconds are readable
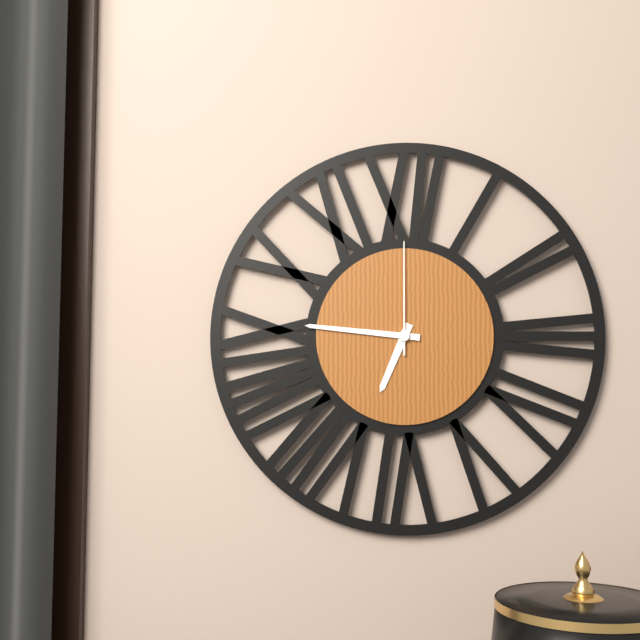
6:46:00
